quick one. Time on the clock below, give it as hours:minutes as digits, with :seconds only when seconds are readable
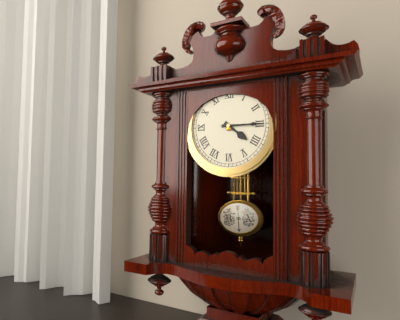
4:15
